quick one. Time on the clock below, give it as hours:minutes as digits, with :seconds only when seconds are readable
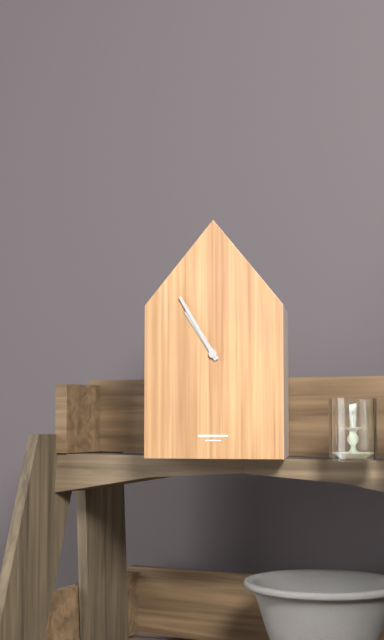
10:55
